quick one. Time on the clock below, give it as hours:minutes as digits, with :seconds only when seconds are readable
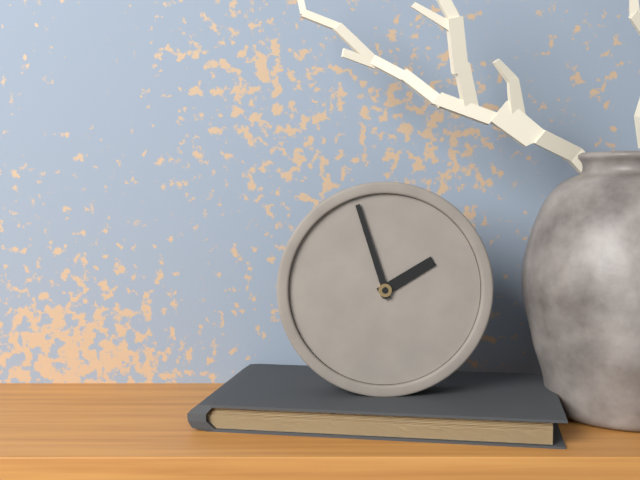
1:57
